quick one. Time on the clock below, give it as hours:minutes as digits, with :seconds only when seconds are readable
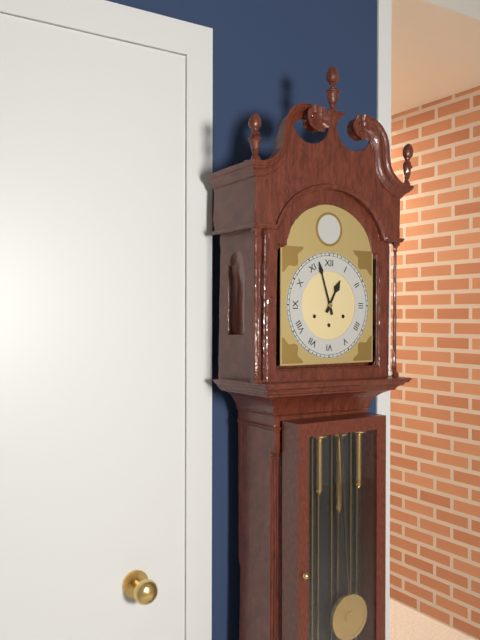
12:57
